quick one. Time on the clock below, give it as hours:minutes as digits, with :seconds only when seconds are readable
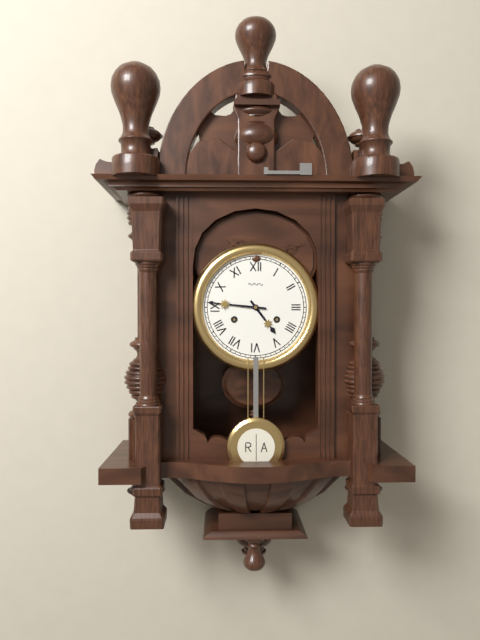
4:46
